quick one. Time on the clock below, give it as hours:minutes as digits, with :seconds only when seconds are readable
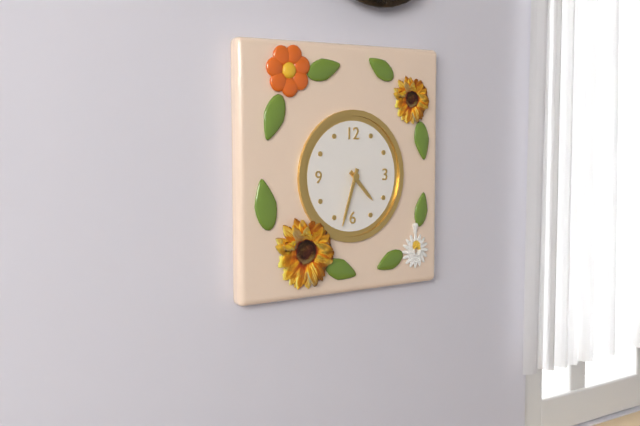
4:33
